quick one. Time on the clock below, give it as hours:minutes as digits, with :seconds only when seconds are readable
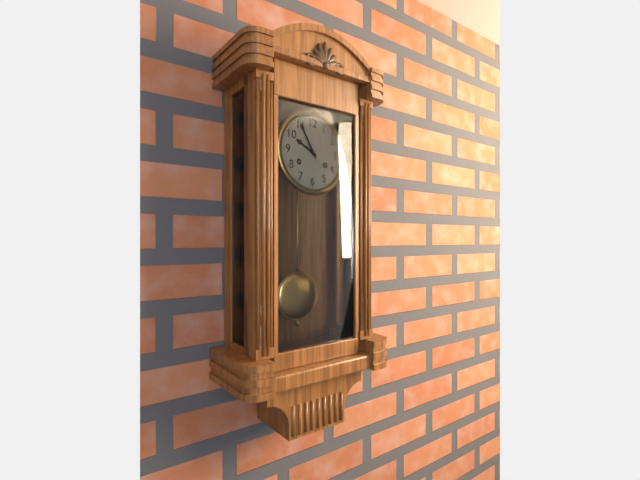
9:55
